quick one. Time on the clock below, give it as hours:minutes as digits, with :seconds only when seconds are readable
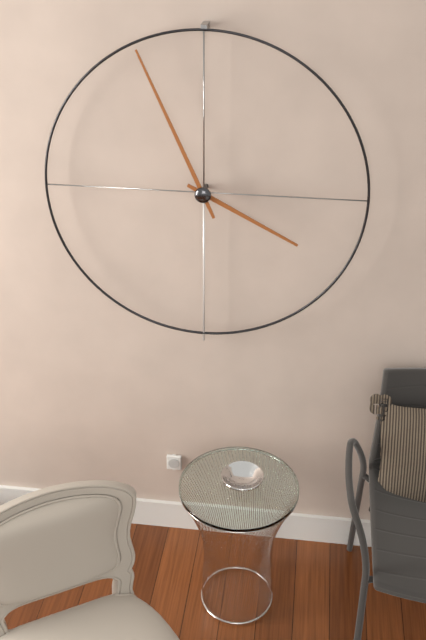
3:56
